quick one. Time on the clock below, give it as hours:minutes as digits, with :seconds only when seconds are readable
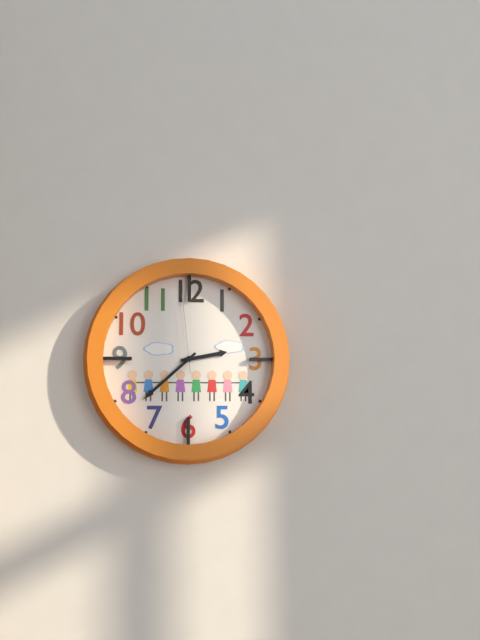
2:38:59
